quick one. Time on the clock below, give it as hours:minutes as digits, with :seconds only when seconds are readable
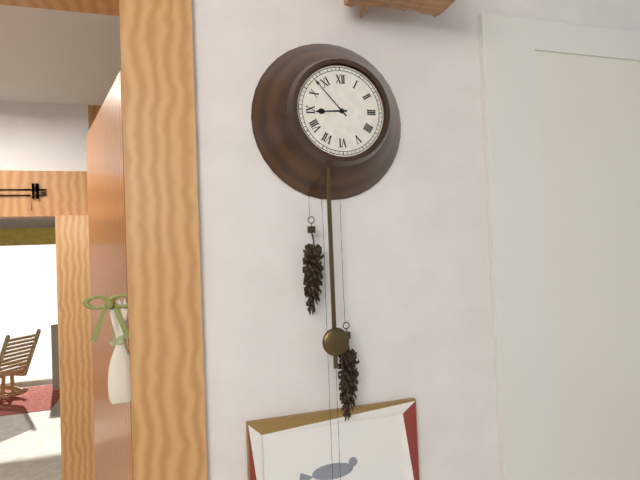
8:53
